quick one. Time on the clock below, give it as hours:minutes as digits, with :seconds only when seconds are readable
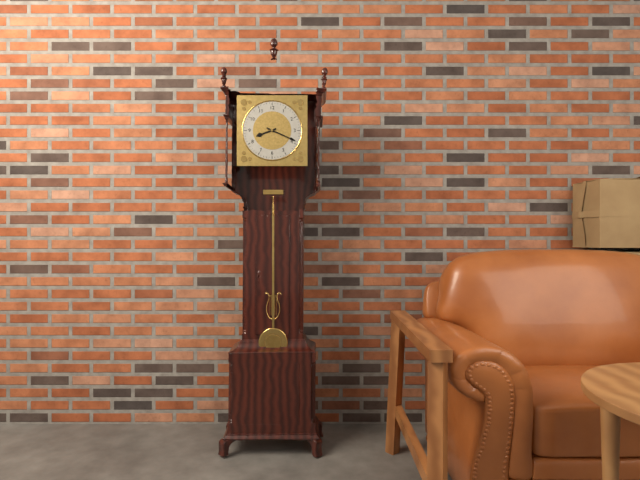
8:19
